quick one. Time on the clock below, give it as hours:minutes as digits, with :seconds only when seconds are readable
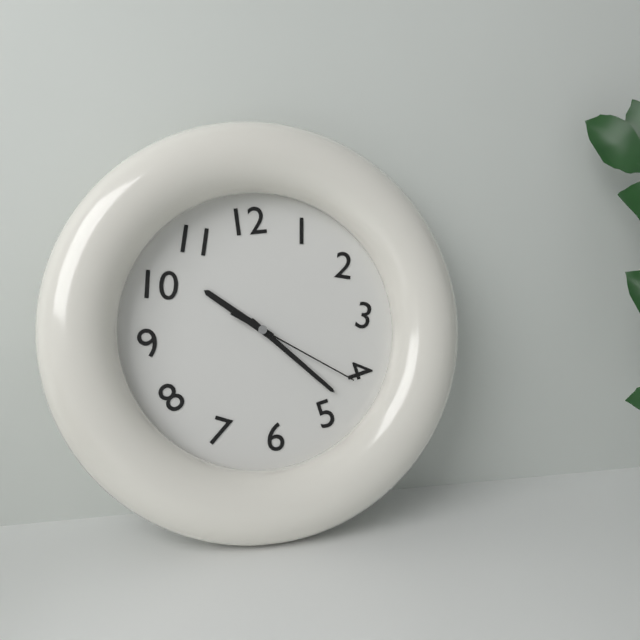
10:23:21
